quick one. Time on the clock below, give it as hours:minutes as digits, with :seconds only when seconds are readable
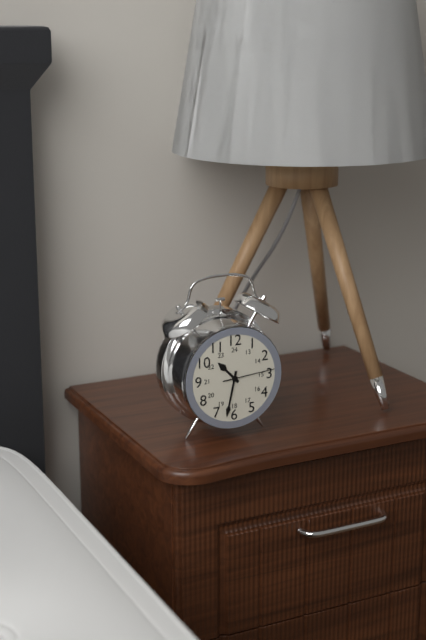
10:32:14
